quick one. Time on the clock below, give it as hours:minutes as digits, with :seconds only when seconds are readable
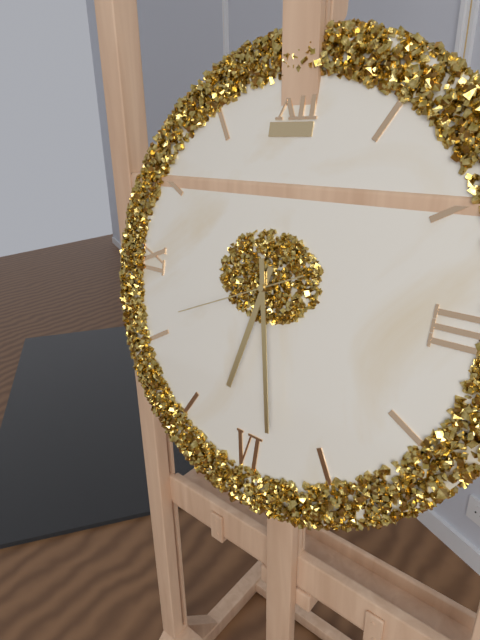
6:28:41
